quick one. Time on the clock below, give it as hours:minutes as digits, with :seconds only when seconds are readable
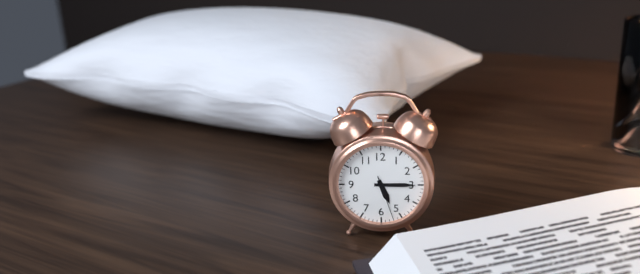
5:15
